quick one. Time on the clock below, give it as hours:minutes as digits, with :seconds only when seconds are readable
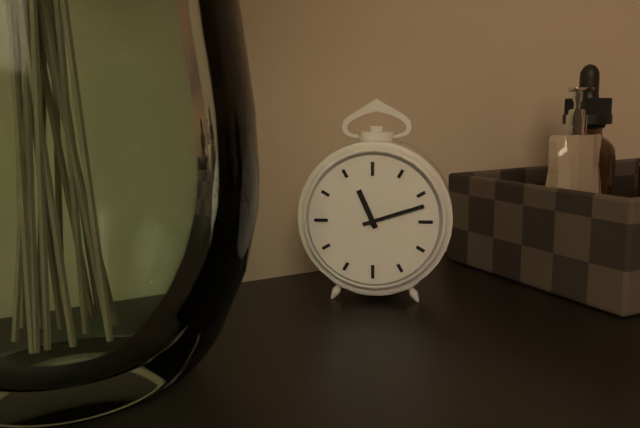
11:12
